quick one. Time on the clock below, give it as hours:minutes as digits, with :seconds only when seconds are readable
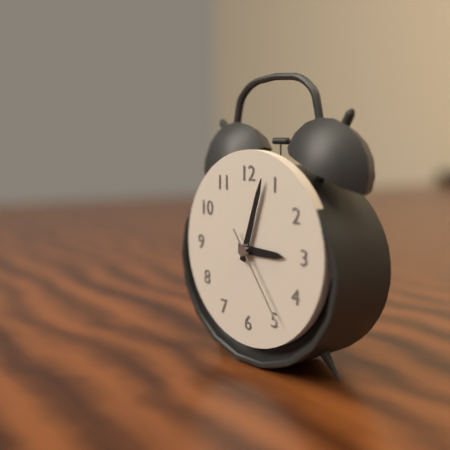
3:03:24
